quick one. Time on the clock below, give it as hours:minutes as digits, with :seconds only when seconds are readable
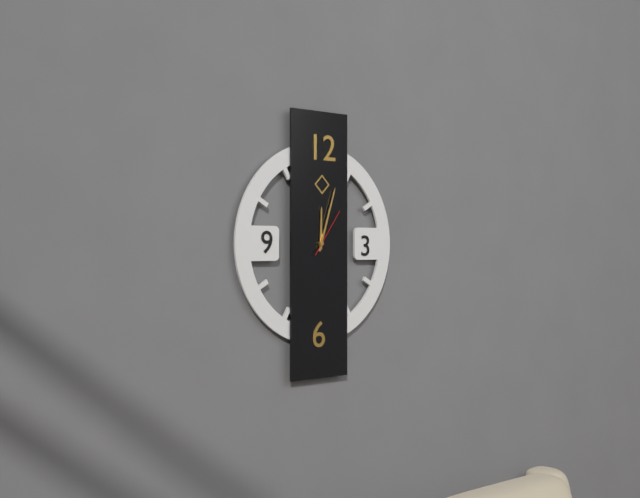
12:03:06
